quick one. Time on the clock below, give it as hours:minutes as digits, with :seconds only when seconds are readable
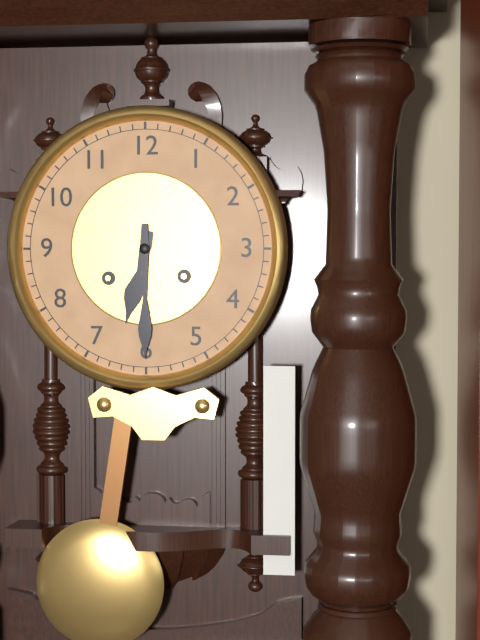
6:30
